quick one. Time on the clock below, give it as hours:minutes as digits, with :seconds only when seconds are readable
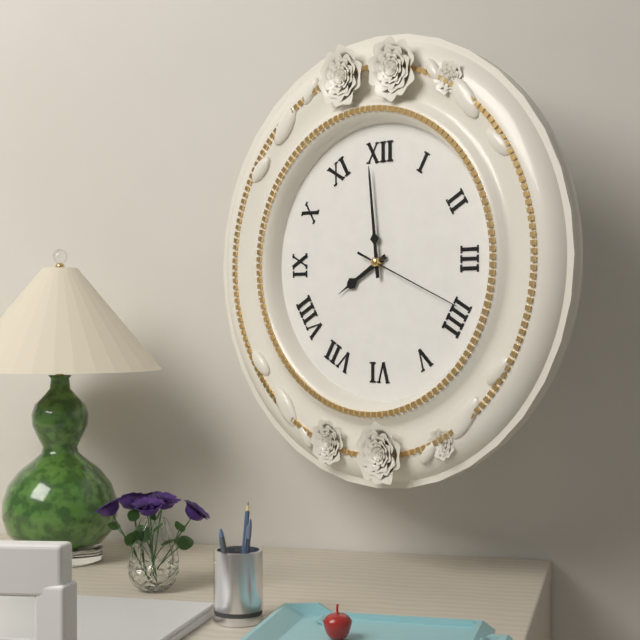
7:59:19
